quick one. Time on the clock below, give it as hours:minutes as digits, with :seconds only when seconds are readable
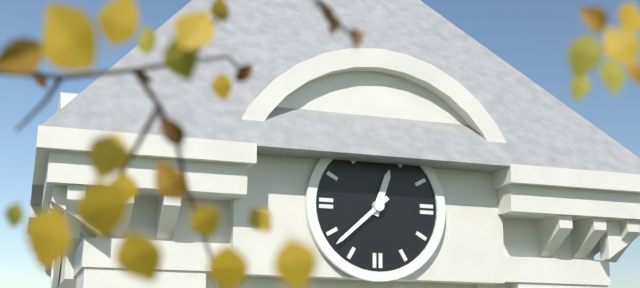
12:38
